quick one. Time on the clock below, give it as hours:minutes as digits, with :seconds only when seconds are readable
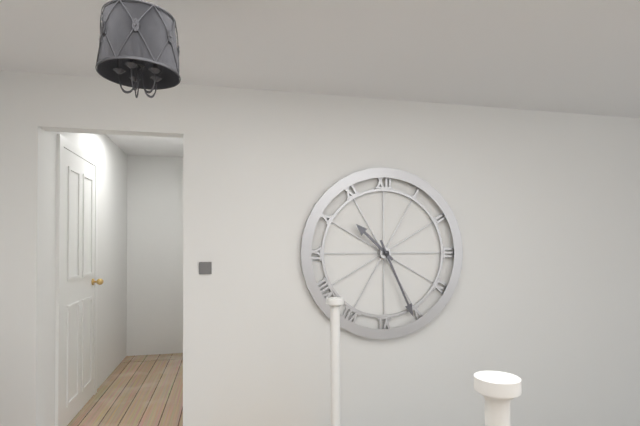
10:26
